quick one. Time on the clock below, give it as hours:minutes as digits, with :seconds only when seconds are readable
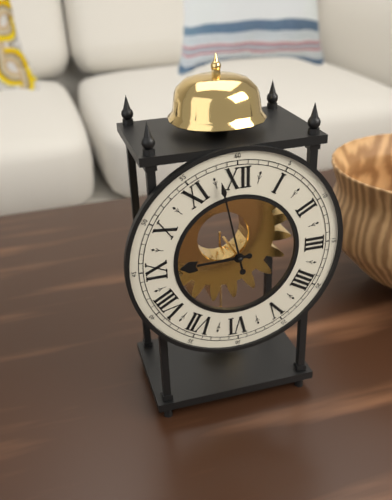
8:58
